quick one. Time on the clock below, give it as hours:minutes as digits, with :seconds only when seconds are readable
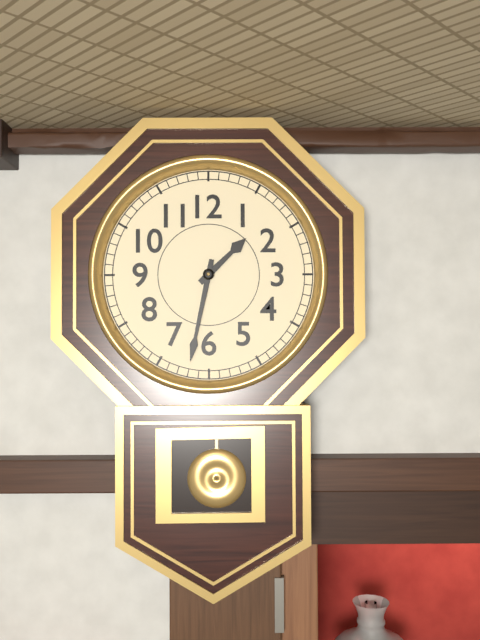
1:32
